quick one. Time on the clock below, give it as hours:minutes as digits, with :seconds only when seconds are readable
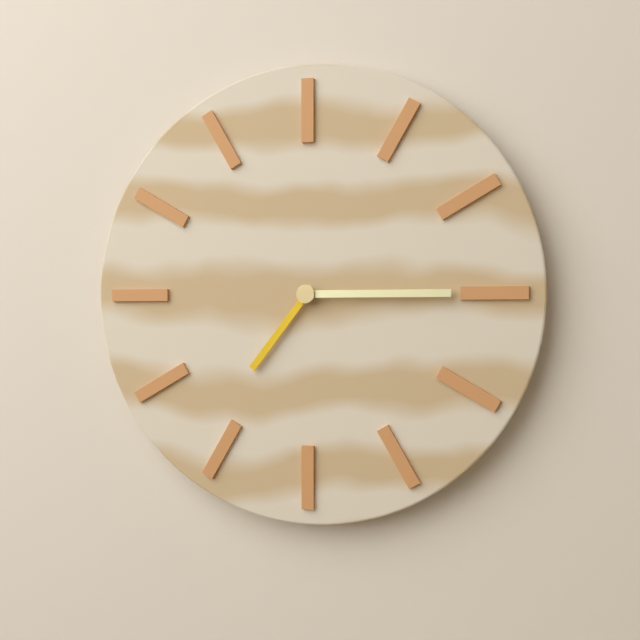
7:15
